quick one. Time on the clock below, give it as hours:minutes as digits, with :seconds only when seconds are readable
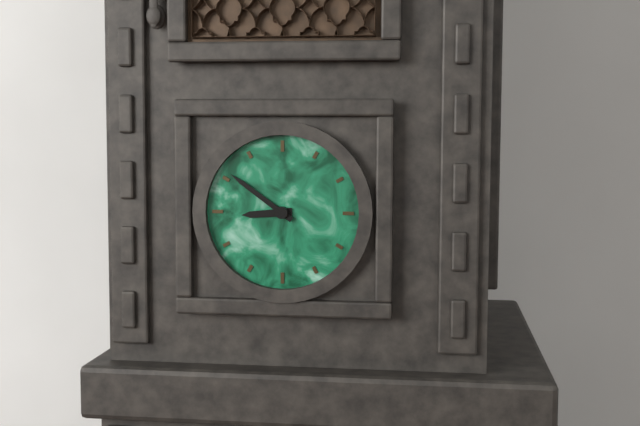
8:51
